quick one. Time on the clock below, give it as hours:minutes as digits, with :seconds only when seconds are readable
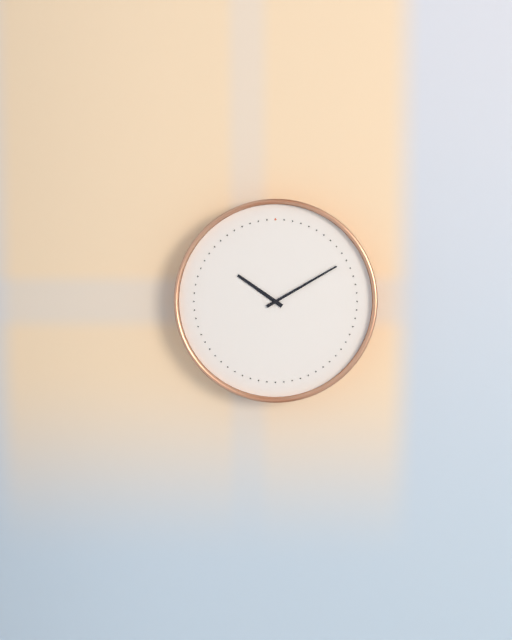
10:10
